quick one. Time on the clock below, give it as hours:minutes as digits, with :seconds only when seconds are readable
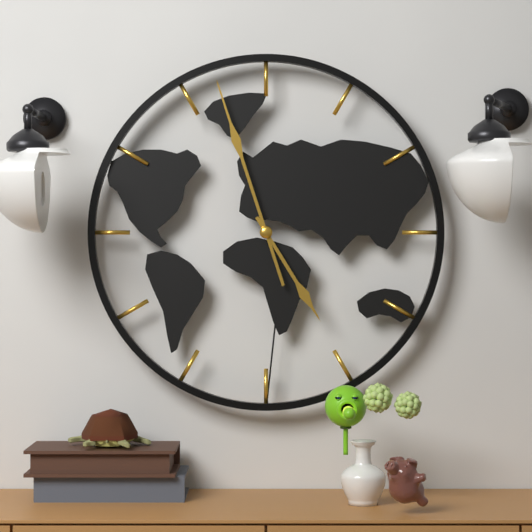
4:57
